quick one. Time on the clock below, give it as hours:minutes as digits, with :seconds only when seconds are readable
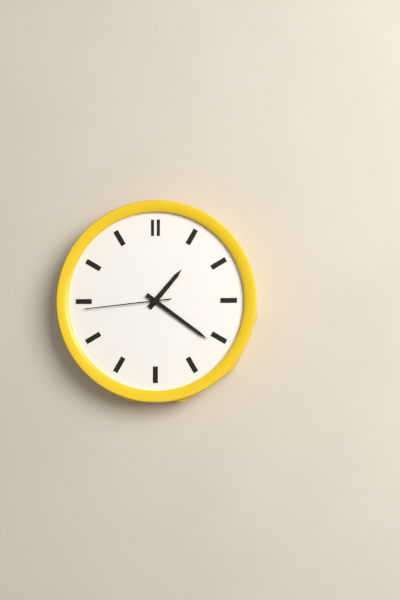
1:21:44
